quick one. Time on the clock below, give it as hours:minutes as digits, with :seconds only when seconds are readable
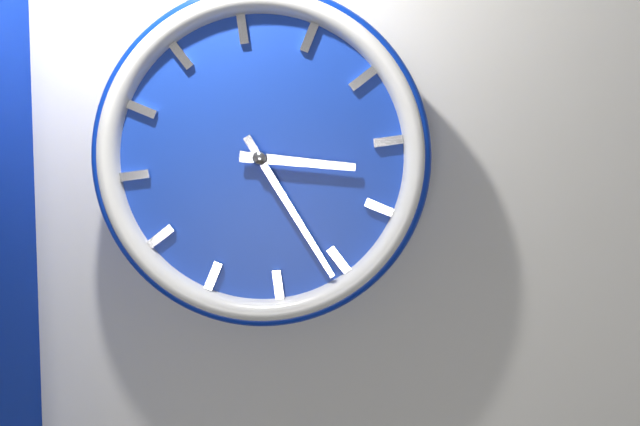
3:26
